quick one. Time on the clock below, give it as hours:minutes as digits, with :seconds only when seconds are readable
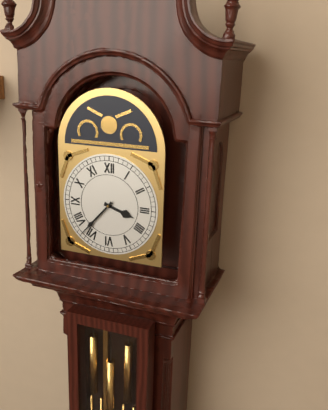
3:37
